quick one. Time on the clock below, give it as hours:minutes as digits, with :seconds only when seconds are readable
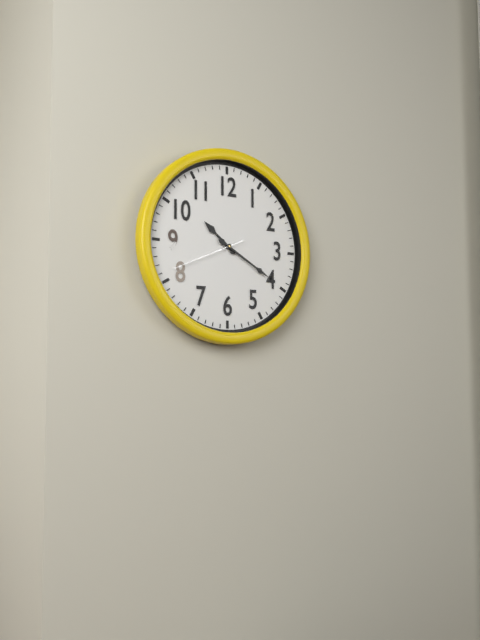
10:20:41
